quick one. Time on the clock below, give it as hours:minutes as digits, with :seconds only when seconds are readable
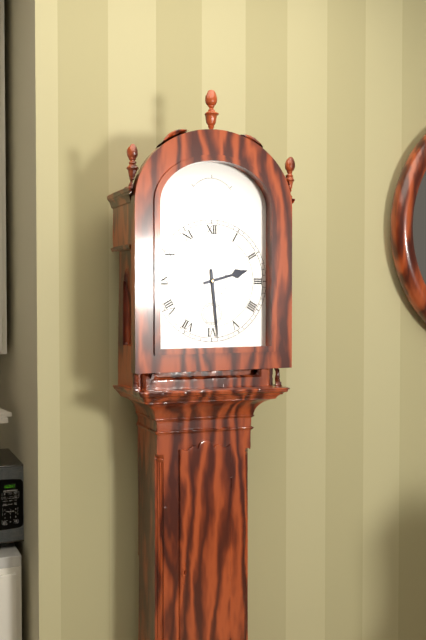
2:29
